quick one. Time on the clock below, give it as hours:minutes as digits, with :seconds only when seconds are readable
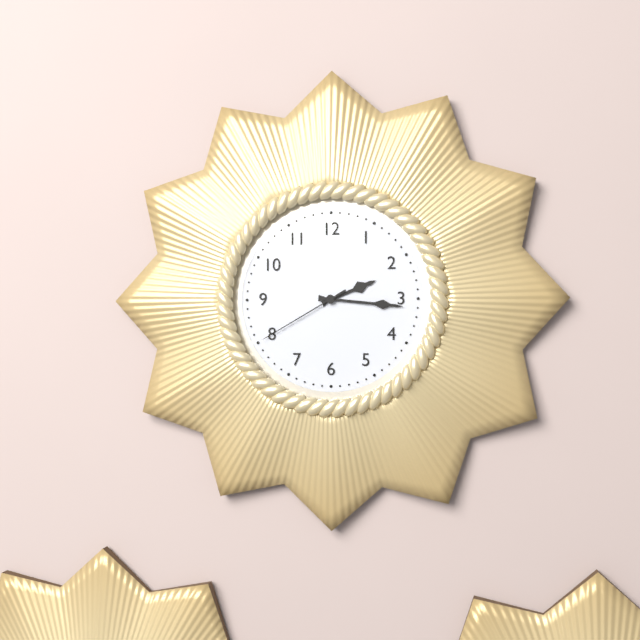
2:16:40
